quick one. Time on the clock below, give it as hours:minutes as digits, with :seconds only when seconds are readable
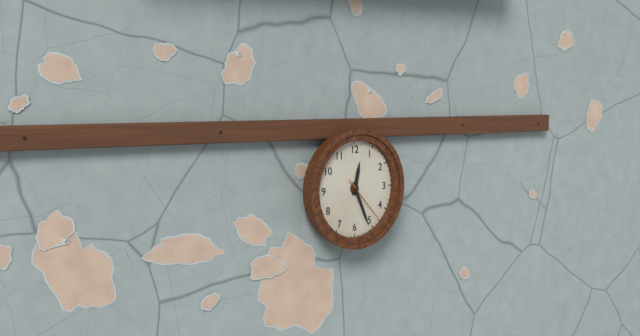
12:26:23
